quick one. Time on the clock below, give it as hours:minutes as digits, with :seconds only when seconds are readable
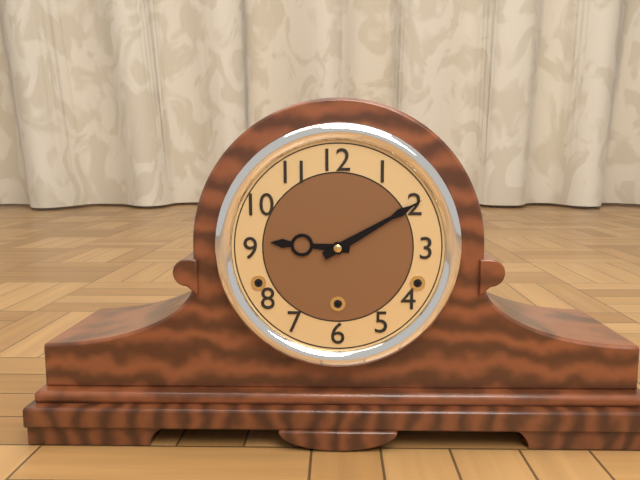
9:10
